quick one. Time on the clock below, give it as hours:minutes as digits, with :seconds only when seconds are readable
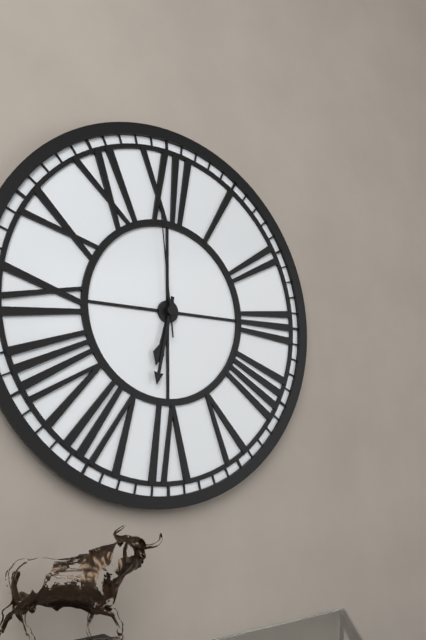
6:32:59
